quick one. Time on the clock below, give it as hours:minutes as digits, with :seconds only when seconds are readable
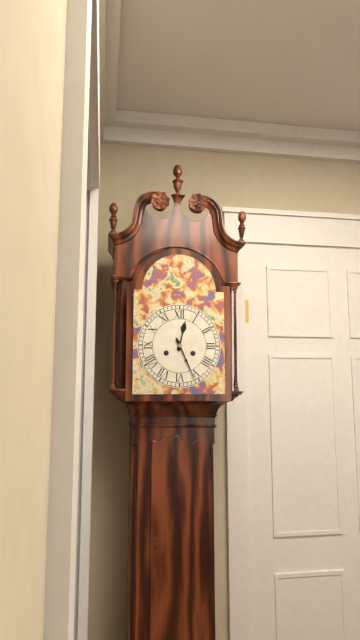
12:26
